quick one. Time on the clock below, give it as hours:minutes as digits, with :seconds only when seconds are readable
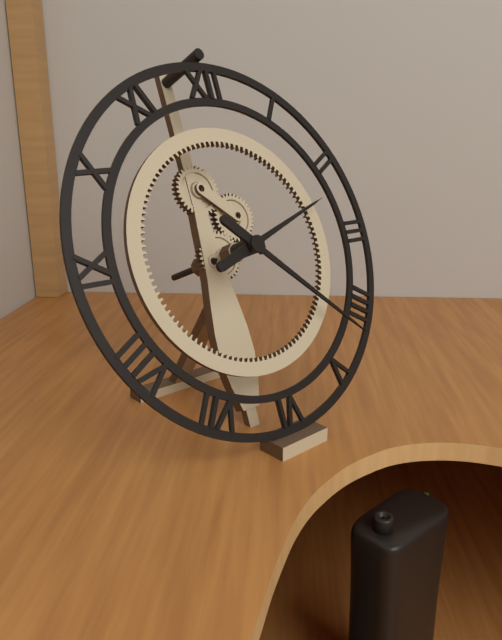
2:22
